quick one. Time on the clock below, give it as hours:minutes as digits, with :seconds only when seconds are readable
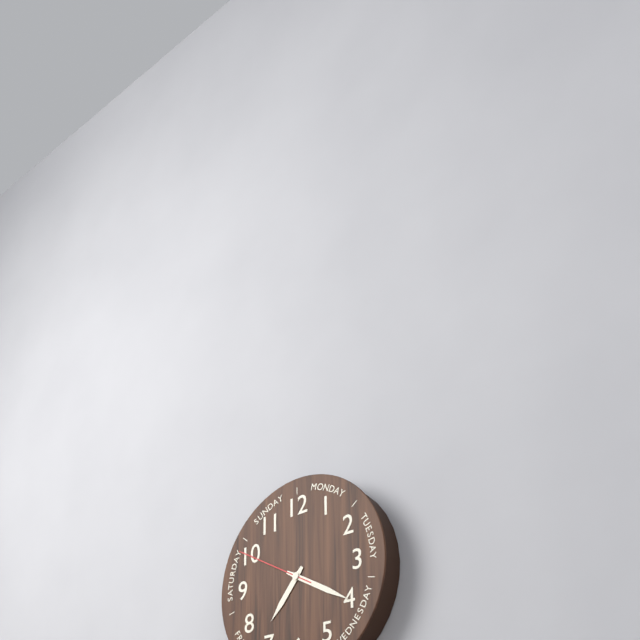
7:20:50
